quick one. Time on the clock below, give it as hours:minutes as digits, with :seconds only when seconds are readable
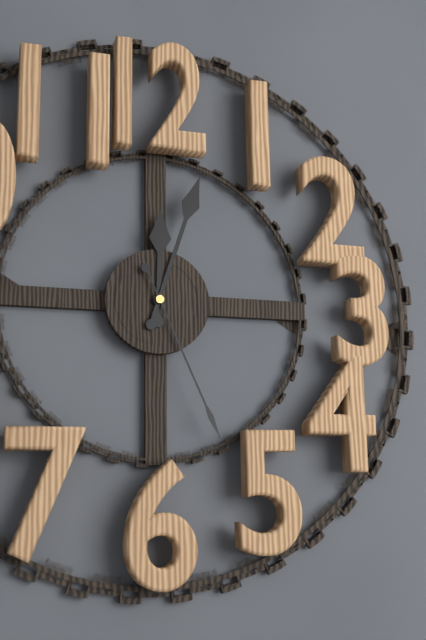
12:03:26
